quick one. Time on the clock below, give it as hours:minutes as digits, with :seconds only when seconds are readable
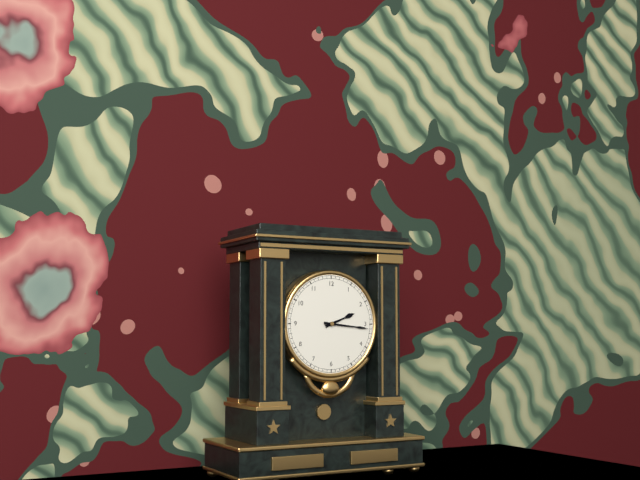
2:16
